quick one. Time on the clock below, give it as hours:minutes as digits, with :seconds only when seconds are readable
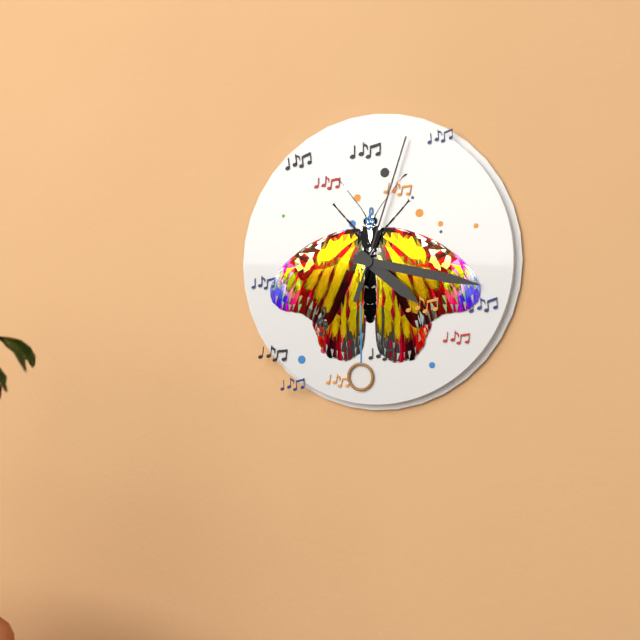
4:17:03
